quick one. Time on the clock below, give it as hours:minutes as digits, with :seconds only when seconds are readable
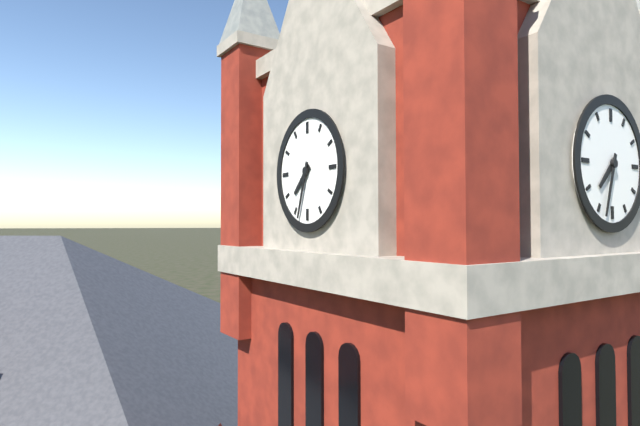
7:33
